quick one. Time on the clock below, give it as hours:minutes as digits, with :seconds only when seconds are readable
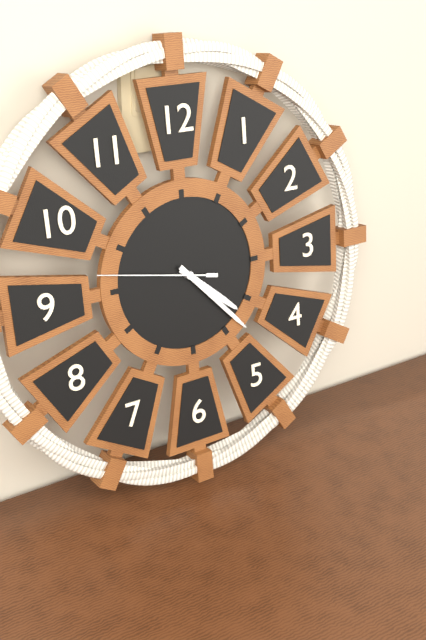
4:23:47
